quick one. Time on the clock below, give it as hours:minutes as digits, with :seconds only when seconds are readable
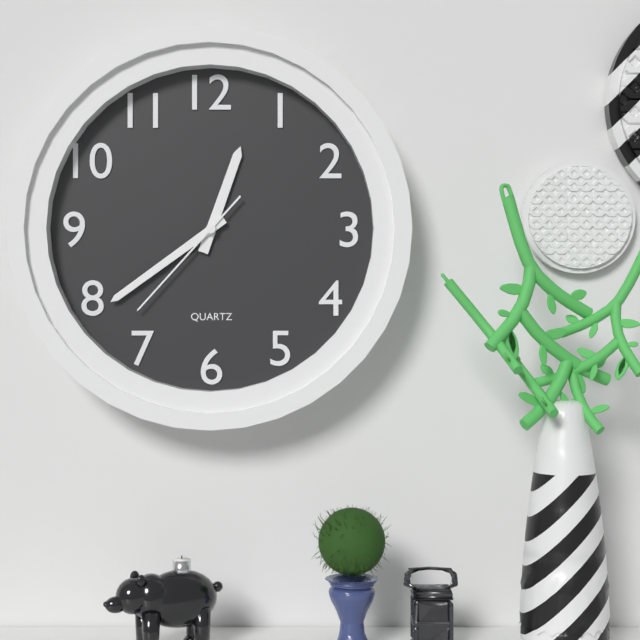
12:39:37
